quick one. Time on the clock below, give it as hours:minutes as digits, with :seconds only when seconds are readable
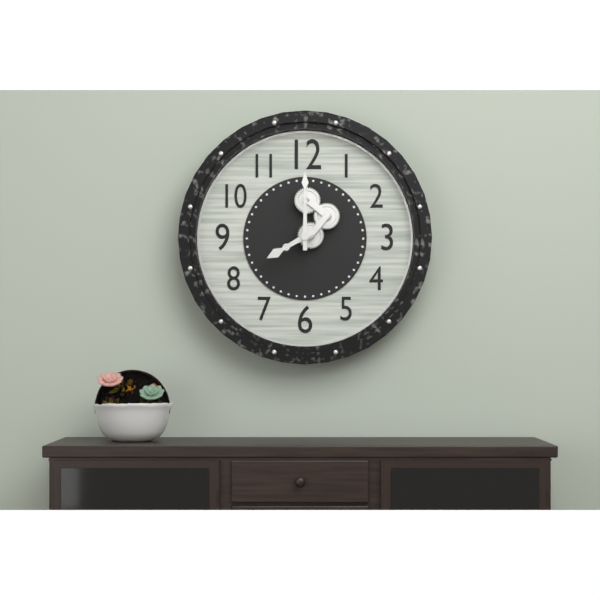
8:00
